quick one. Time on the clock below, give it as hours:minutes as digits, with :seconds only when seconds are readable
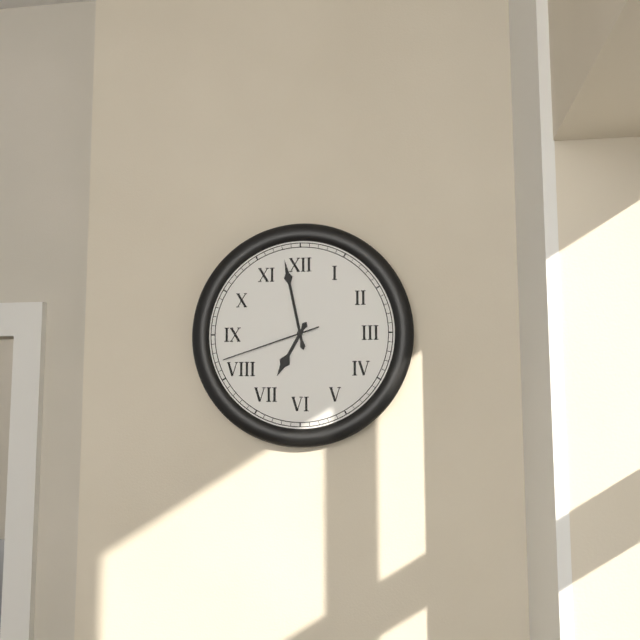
6:58:42
